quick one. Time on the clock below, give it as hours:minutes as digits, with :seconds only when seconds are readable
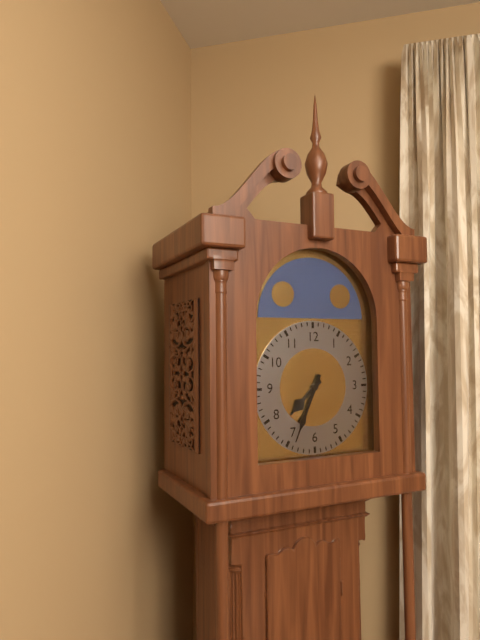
7:34
